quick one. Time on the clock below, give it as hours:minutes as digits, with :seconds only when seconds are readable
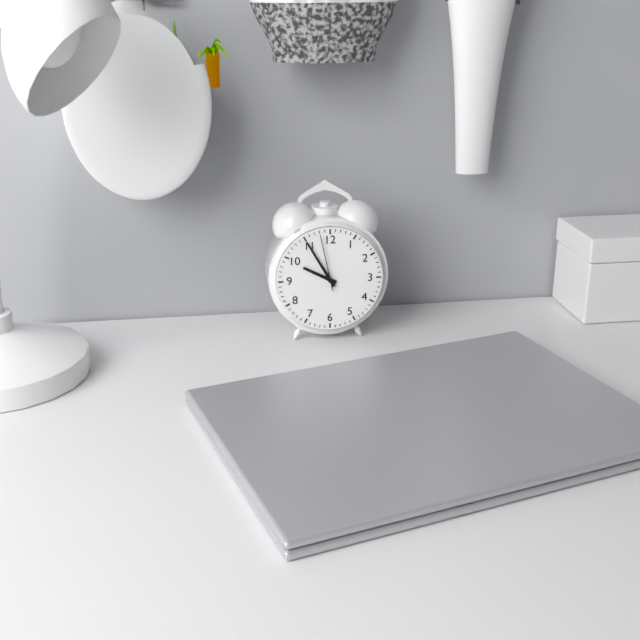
9:55:58
